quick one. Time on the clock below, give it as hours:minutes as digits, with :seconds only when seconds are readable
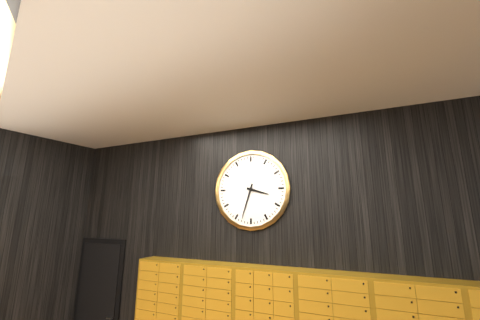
3:33
